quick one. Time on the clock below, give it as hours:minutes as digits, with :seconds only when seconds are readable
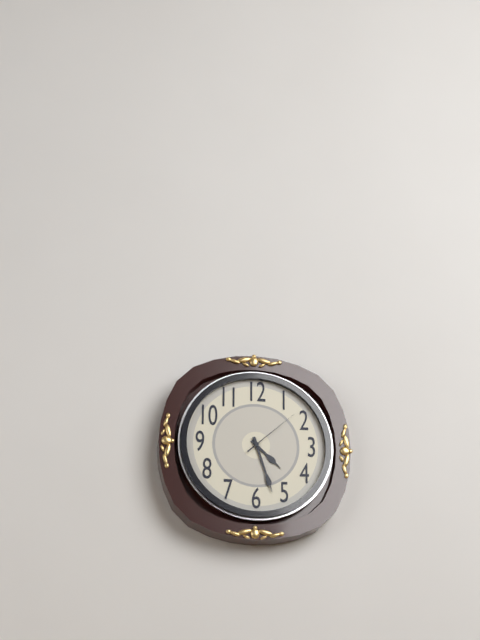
4:27:08
